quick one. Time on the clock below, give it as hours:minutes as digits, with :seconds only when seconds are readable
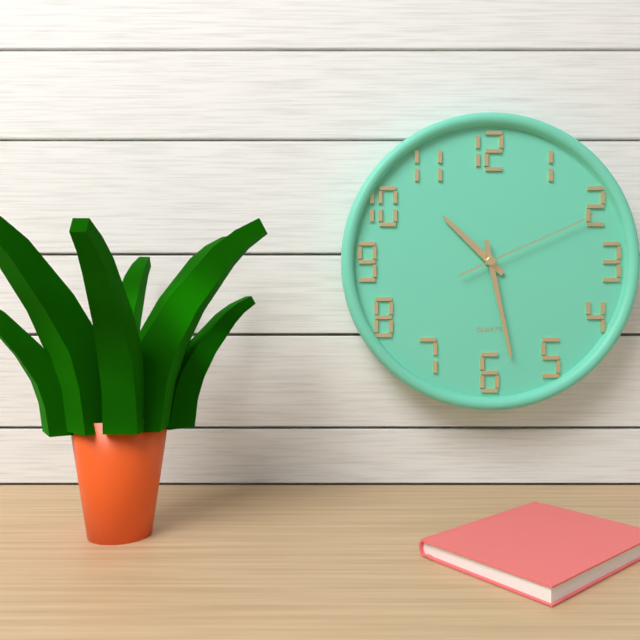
10:28:11
